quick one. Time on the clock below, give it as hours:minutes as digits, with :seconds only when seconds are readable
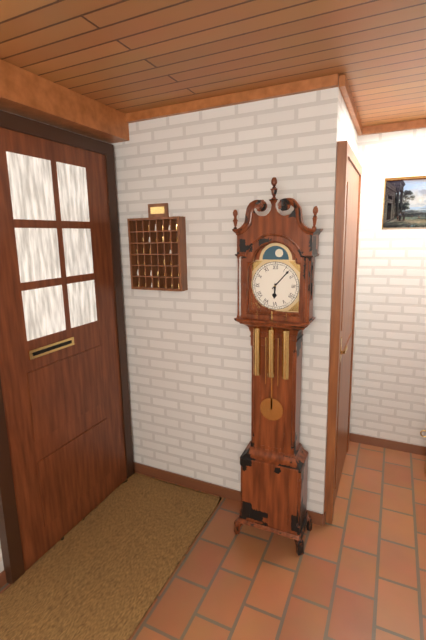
6:07
